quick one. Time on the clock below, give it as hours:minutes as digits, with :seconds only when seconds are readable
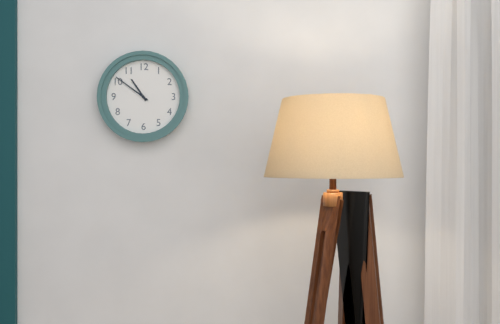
10:51
